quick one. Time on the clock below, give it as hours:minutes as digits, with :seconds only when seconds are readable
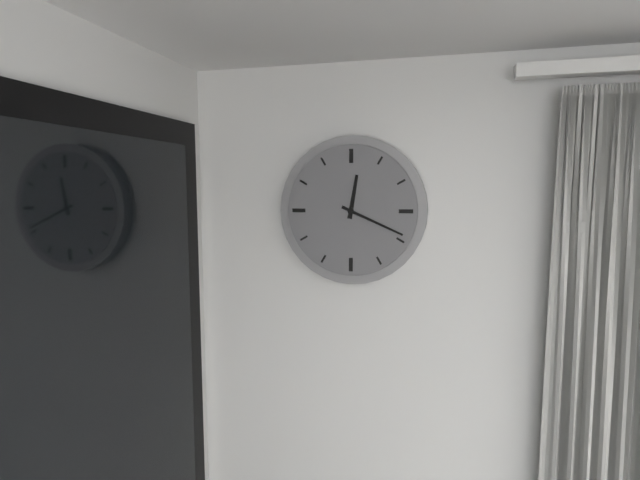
12:19
